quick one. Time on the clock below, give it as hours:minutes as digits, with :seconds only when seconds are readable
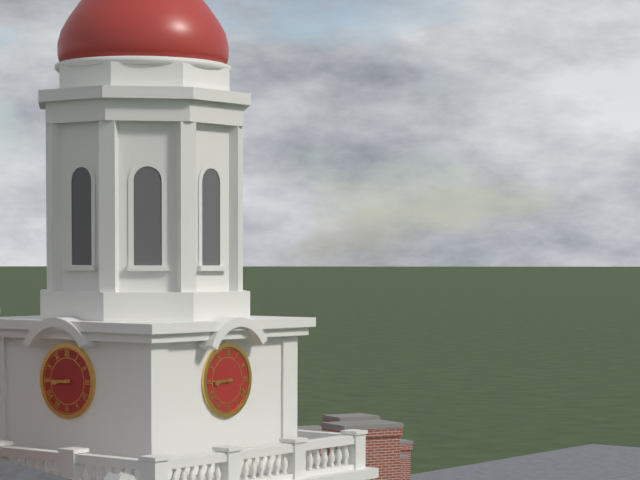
8:45
